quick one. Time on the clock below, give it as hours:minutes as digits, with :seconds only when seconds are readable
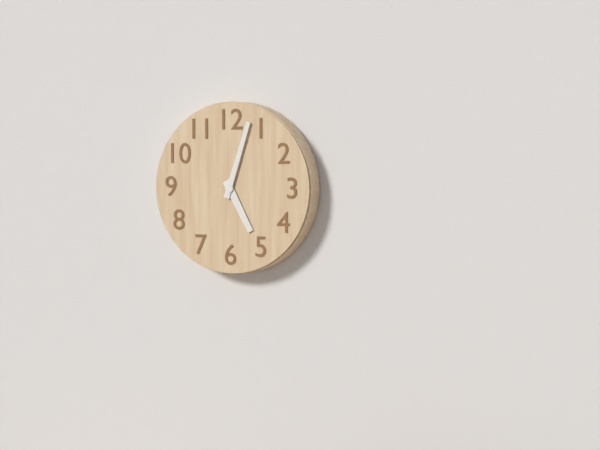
5:03
